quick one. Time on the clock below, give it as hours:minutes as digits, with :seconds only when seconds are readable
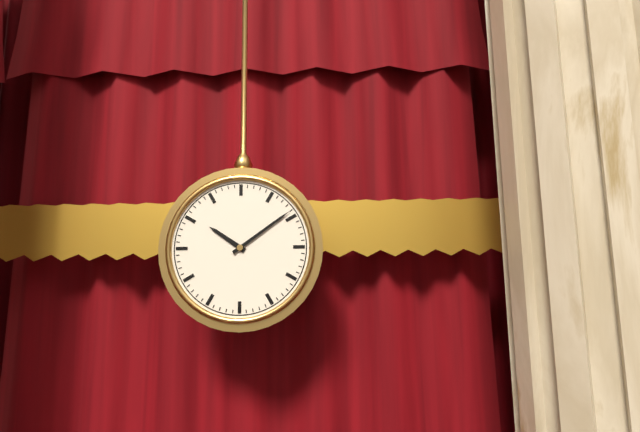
10:09
